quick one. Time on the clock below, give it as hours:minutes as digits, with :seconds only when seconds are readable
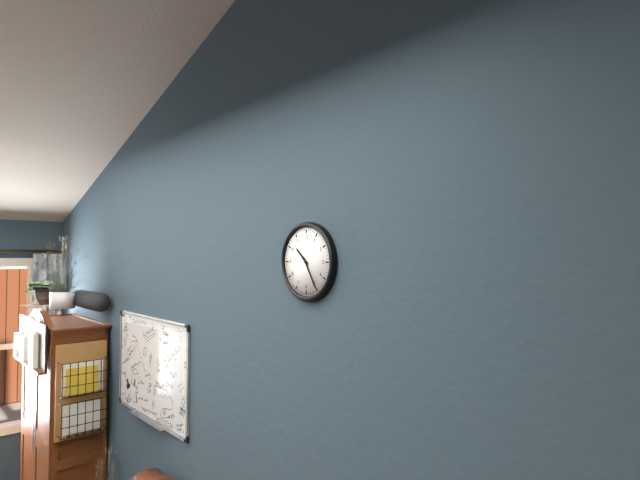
10:25
